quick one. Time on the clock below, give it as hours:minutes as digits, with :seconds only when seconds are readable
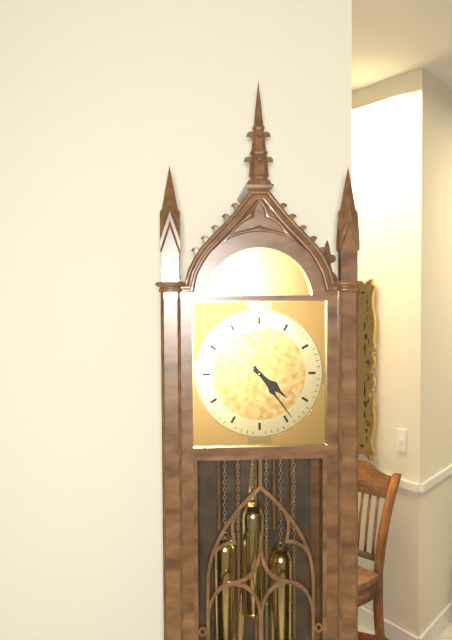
4:24
